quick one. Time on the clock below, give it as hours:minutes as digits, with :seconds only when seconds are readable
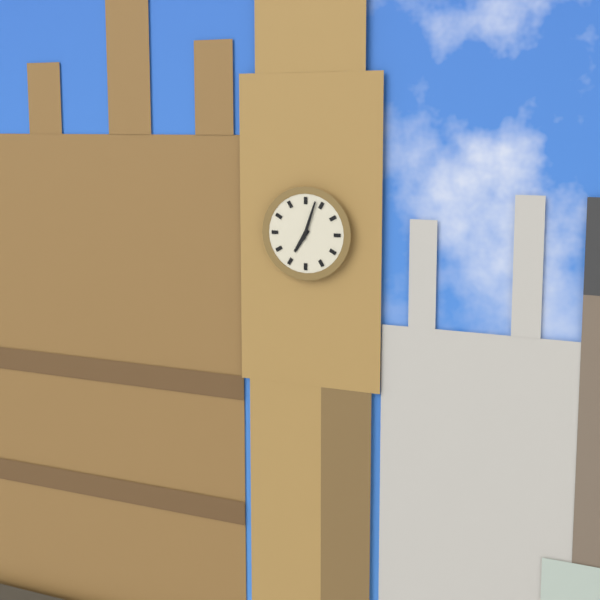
7:03
